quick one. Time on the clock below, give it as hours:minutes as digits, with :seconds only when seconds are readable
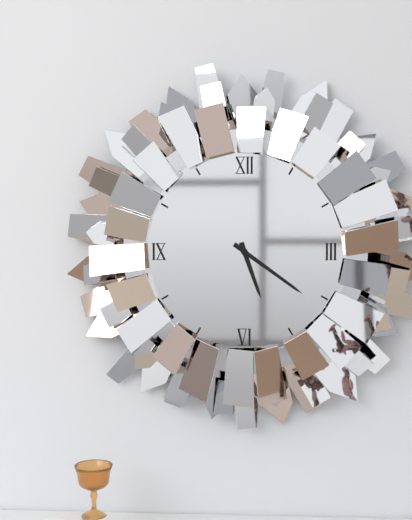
5:21
